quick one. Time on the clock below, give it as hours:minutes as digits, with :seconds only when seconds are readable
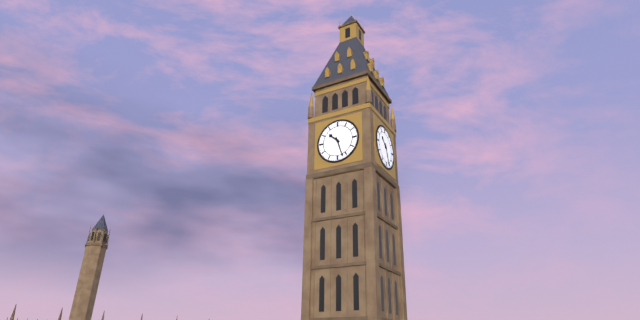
10:27
